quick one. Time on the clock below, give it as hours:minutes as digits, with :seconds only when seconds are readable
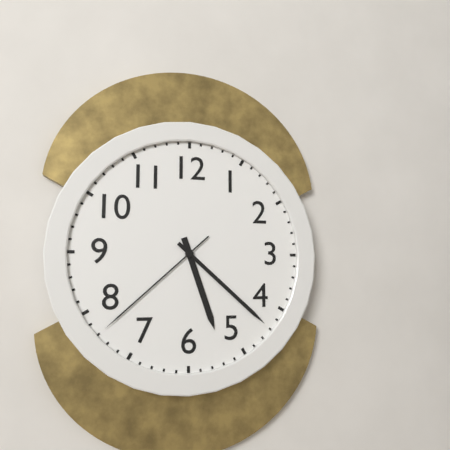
5:22:38
